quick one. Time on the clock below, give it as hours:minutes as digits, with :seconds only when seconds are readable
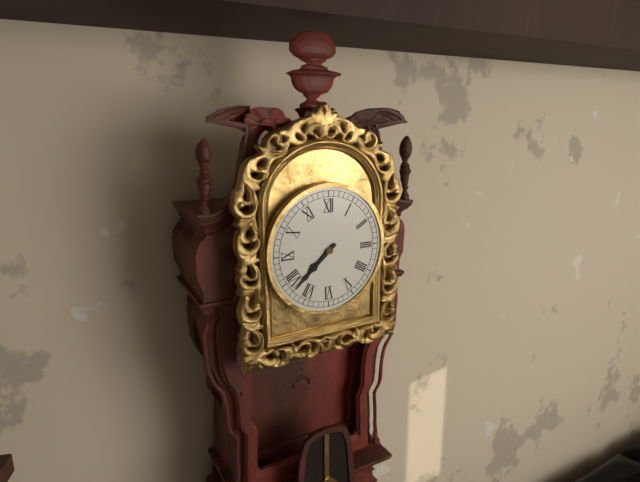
7:38
